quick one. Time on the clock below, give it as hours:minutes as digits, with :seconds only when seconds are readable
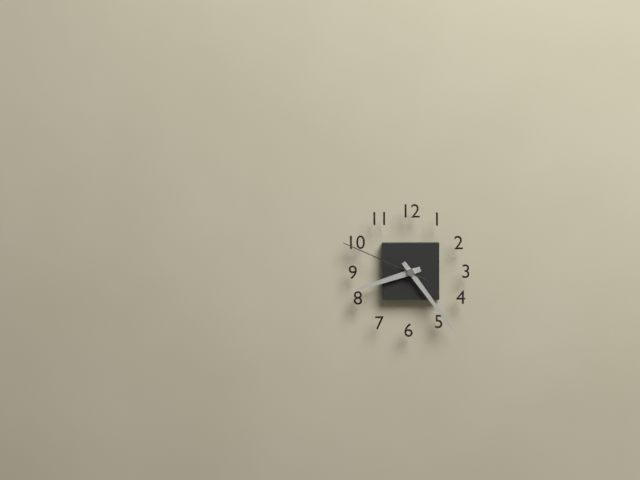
8:24:49
